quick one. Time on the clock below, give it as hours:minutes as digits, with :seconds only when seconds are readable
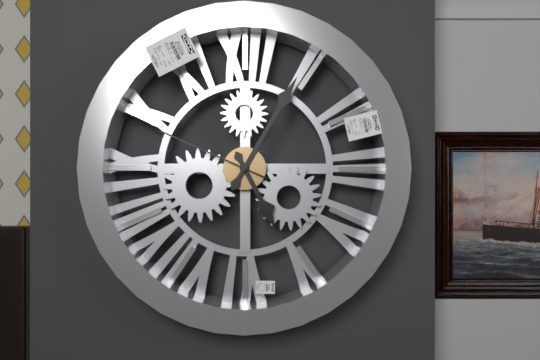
5:05:49
